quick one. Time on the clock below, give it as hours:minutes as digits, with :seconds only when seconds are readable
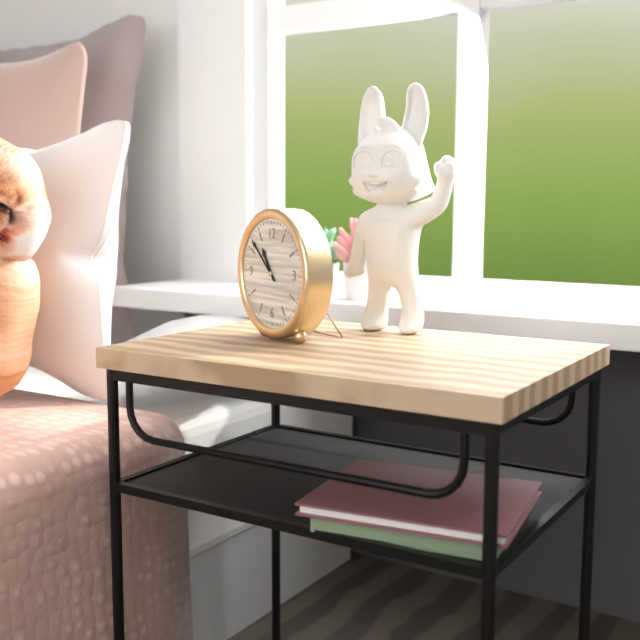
10:52
